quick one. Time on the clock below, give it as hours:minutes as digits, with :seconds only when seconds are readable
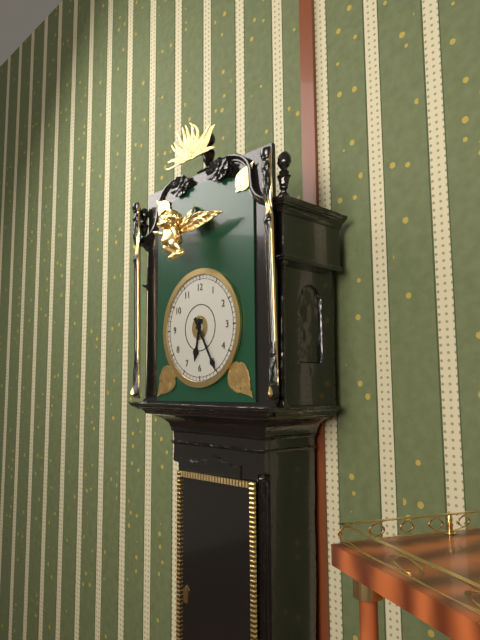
6:25
